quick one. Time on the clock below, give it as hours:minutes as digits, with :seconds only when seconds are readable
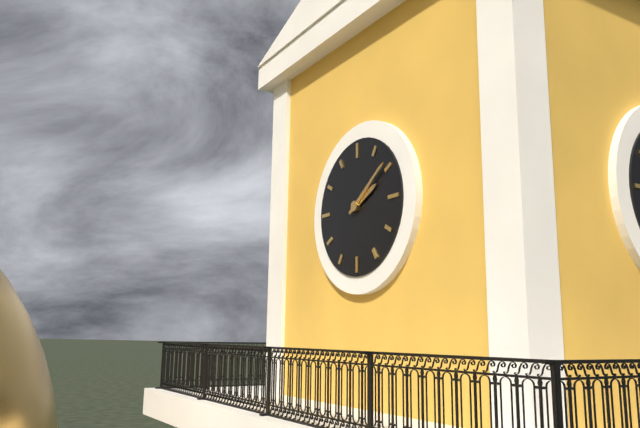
2:09
